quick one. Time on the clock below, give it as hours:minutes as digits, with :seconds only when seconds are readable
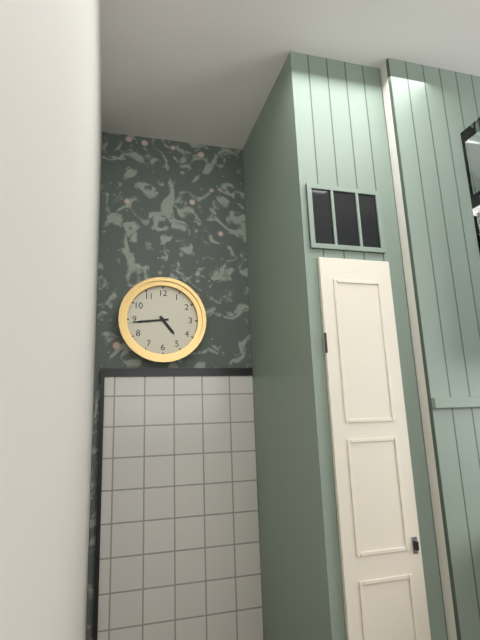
4:44
